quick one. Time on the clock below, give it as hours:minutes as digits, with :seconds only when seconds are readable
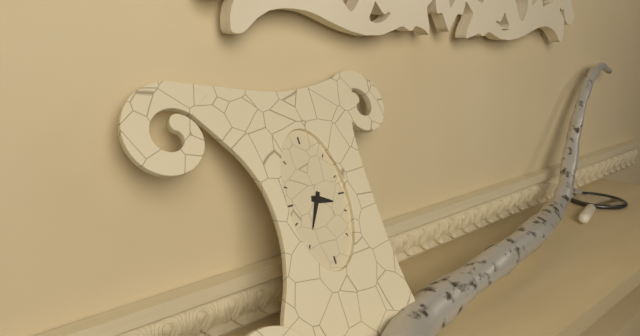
3:35
